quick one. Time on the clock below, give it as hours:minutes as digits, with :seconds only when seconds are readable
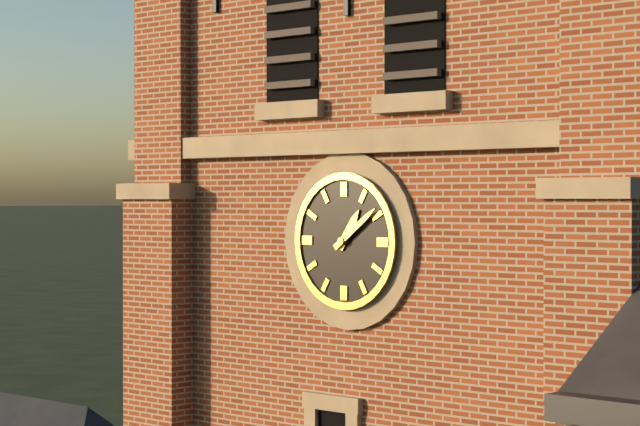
1:09
